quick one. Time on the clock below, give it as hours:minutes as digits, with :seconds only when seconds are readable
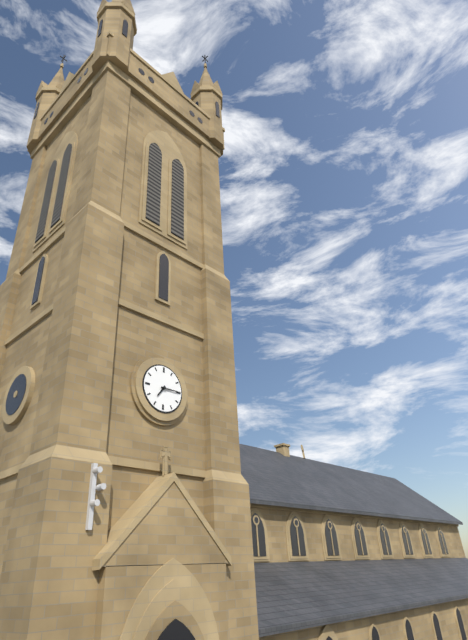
7:15
